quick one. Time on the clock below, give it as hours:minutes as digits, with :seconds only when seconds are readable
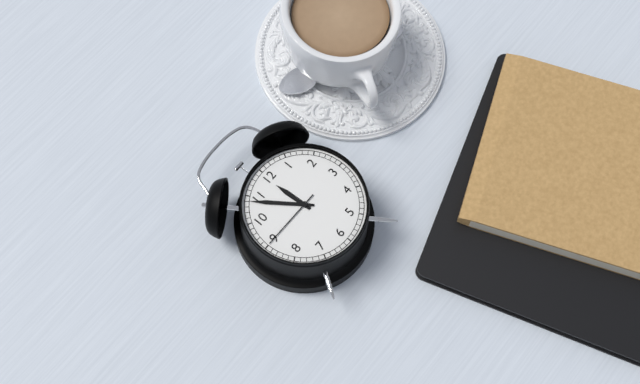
11:54:45
